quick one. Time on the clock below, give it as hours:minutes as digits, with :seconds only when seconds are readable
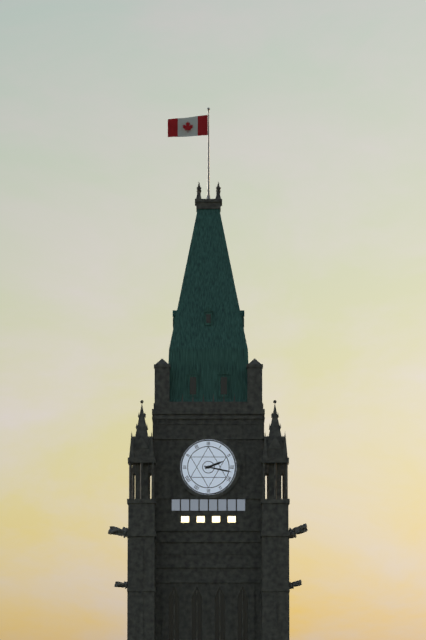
2:17
